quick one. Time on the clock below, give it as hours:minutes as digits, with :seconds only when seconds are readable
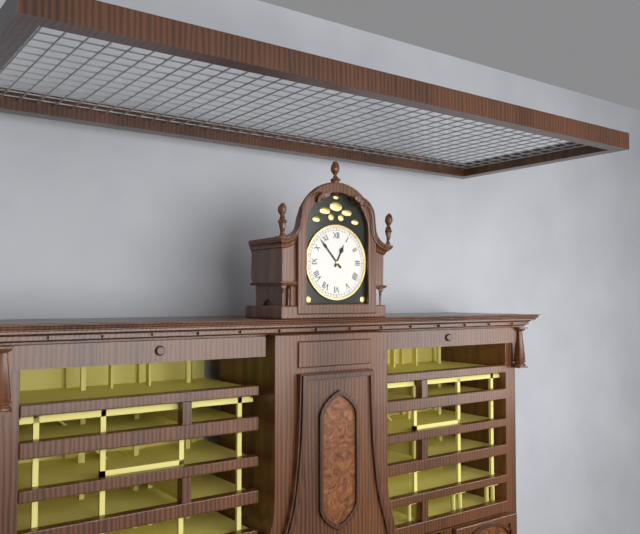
12:53
